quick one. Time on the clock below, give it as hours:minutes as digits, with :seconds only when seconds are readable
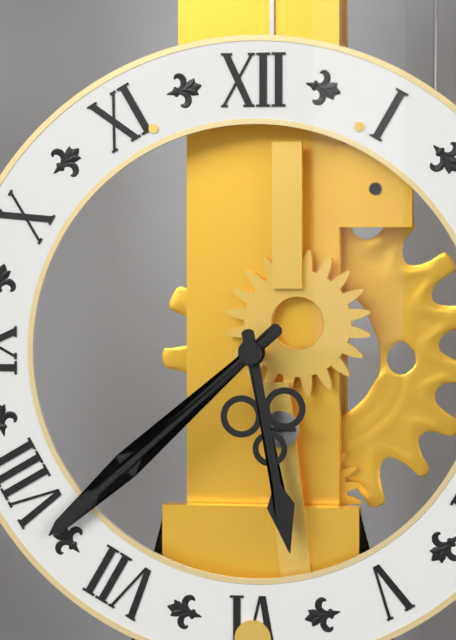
5:38
